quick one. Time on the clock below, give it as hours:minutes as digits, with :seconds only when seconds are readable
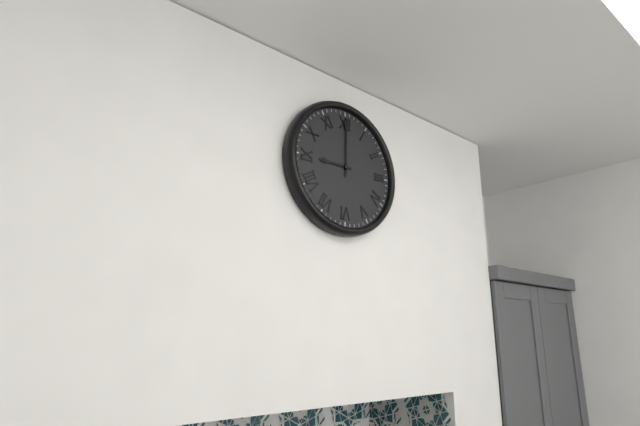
9:00
